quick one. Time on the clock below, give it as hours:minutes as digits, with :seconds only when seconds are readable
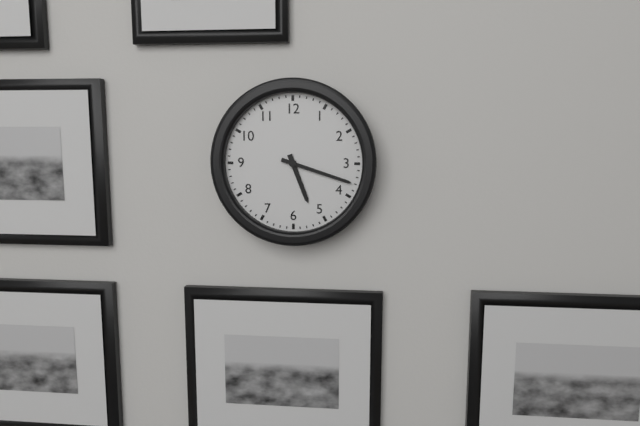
5:18
